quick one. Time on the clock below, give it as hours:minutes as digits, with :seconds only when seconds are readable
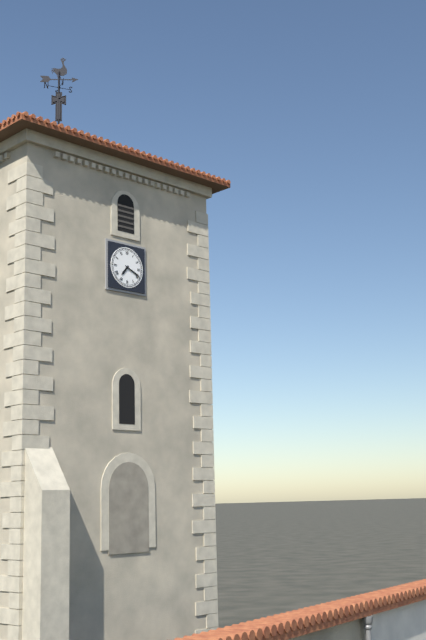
7:19
